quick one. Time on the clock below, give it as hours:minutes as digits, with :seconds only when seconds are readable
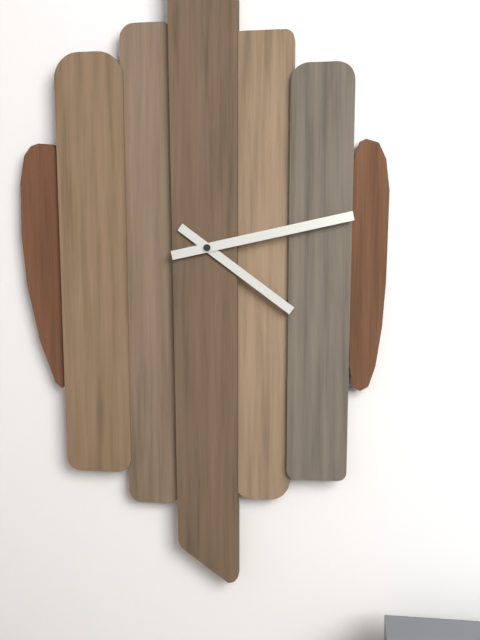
4:13
